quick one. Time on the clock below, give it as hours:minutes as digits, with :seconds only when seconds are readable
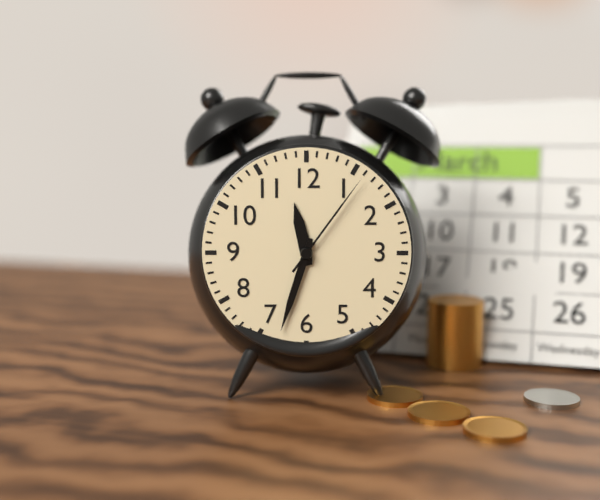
11:33:06
